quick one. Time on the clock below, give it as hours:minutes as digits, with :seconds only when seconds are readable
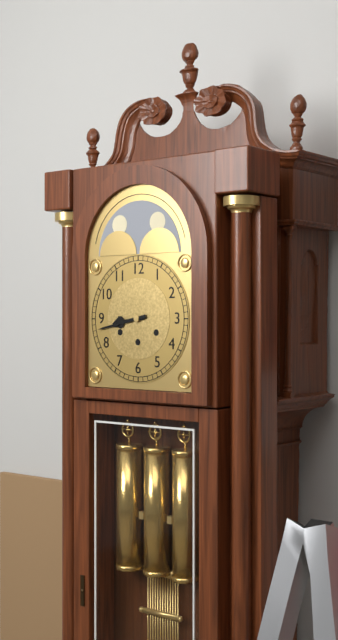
8:43
